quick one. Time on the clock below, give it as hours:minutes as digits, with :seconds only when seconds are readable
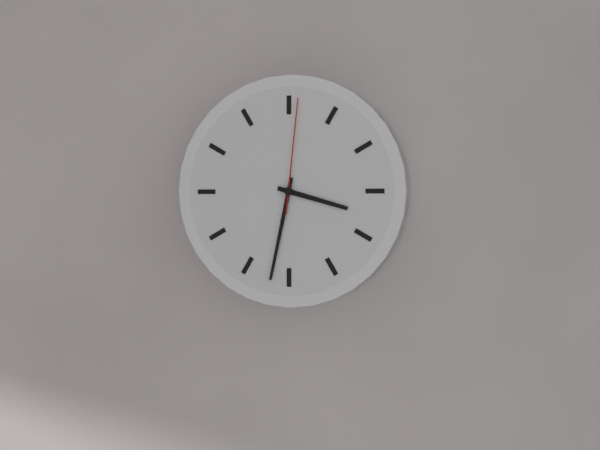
3:32:01
